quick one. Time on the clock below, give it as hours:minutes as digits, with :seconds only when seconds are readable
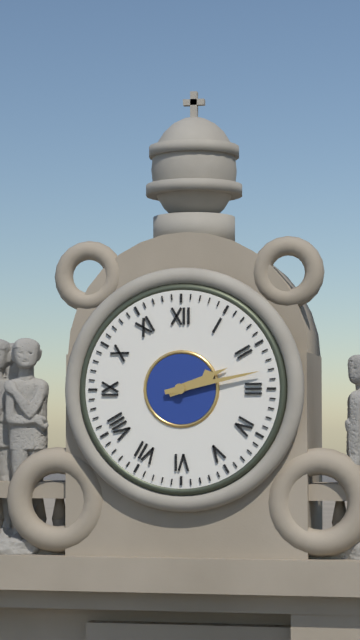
2:13
